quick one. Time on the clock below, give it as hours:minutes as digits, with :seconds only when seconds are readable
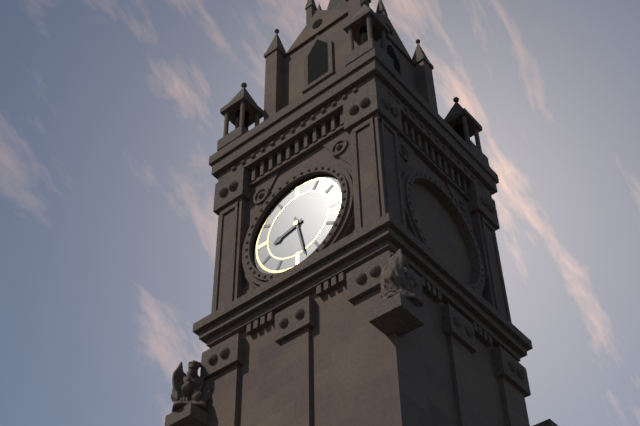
8:28
